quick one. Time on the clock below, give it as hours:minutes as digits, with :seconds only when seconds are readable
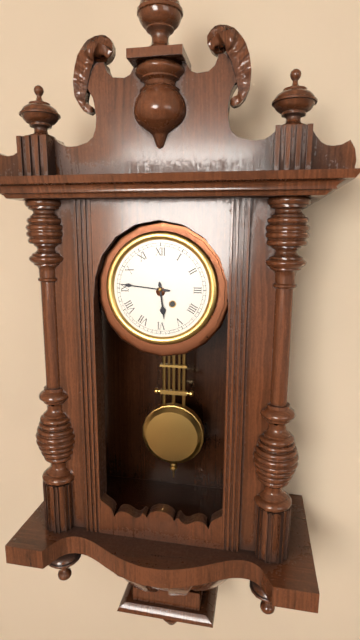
5:46
